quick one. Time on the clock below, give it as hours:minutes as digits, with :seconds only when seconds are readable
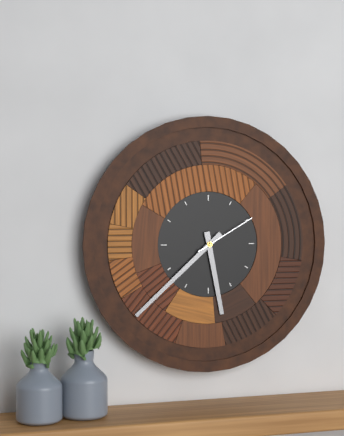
5:38:10
